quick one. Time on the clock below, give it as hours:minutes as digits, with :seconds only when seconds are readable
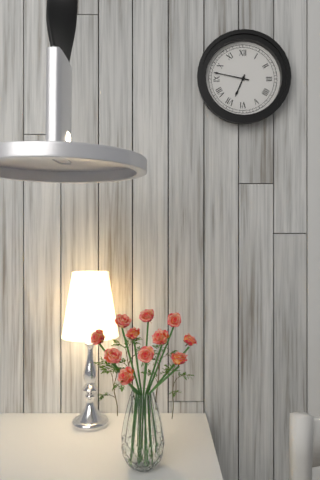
6:47
